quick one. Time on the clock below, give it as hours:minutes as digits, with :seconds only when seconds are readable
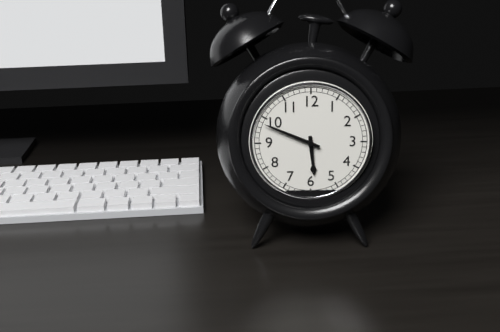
5:49
